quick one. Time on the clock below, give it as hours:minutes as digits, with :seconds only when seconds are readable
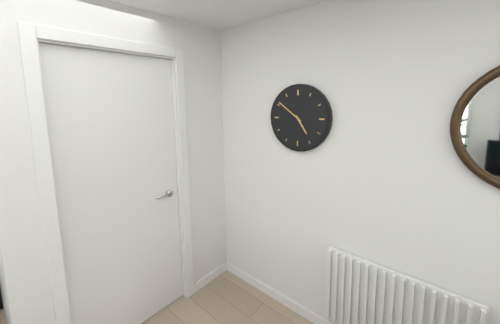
4:51
